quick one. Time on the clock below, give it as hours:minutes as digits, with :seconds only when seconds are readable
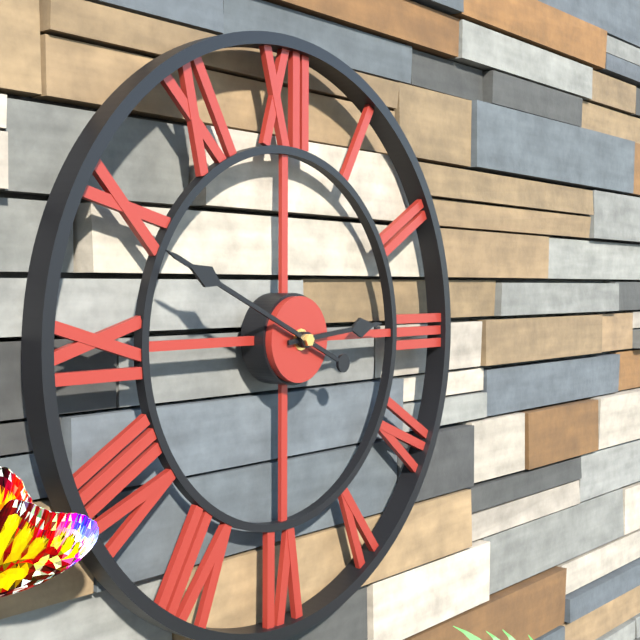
2:49
